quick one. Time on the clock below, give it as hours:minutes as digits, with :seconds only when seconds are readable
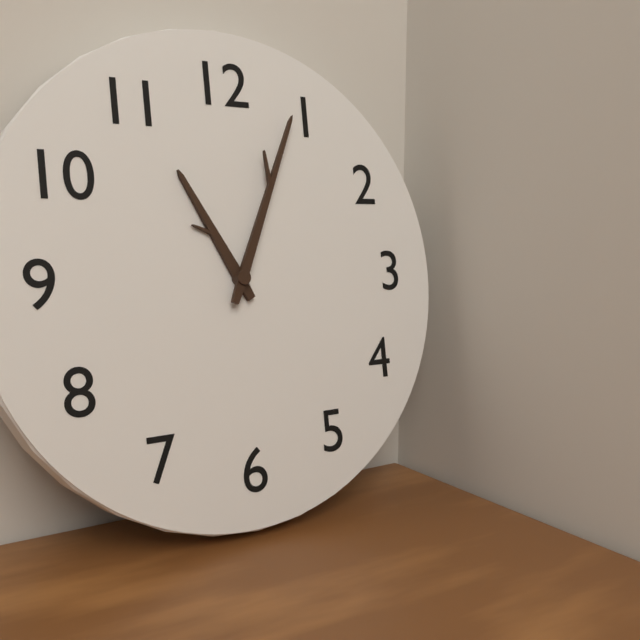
11:04
